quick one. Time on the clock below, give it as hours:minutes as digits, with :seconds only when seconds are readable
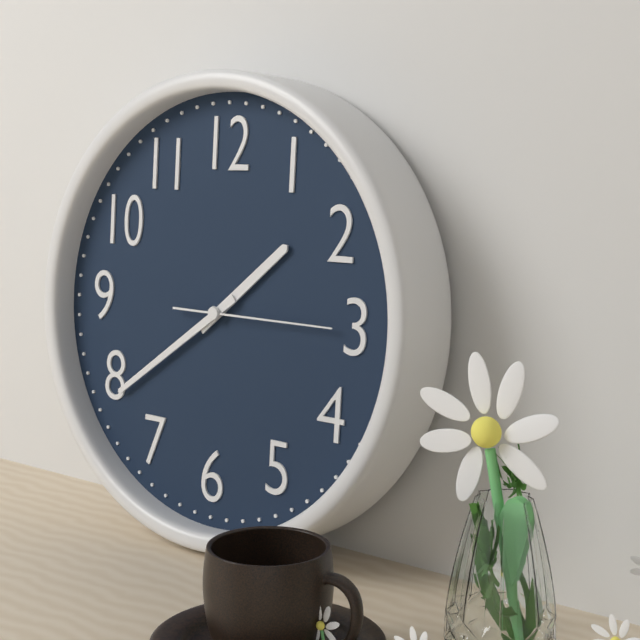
1:39:15
